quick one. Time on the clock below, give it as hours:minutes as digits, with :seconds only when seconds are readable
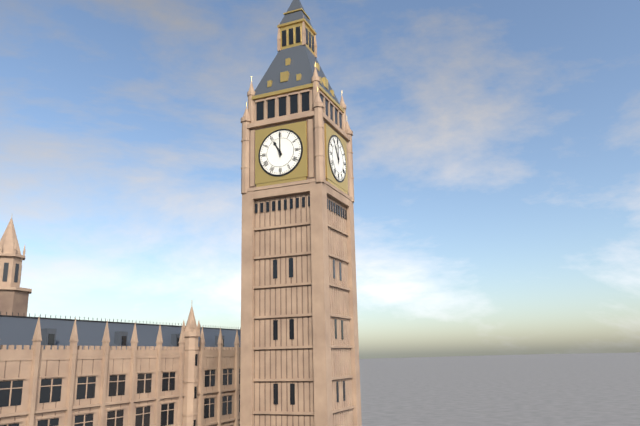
11:00
